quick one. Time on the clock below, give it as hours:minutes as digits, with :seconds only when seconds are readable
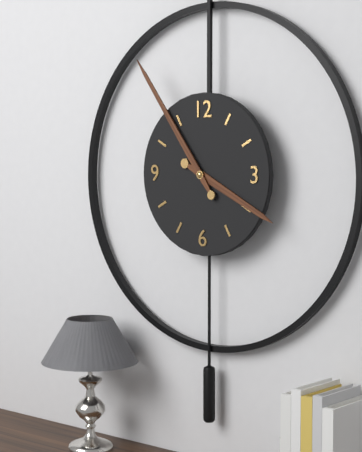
3:54
